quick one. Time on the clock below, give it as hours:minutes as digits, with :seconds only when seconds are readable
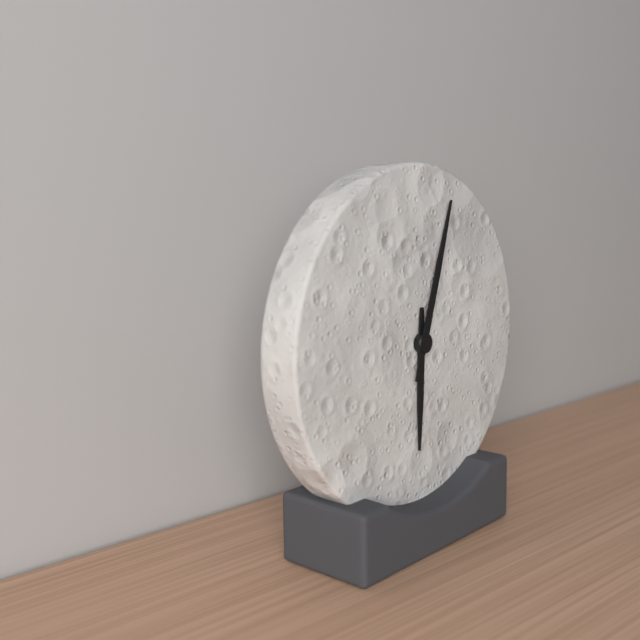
6:03
